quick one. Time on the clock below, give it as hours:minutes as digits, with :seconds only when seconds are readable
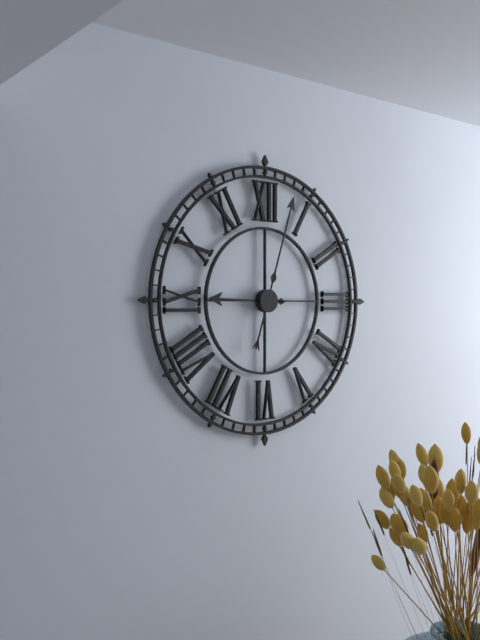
9:03
